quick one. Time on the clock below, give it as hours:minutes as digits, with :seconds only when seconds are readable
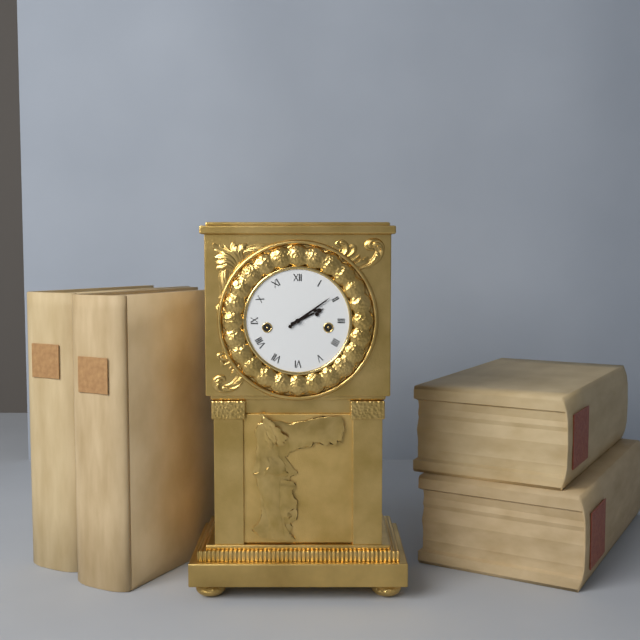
2:09
